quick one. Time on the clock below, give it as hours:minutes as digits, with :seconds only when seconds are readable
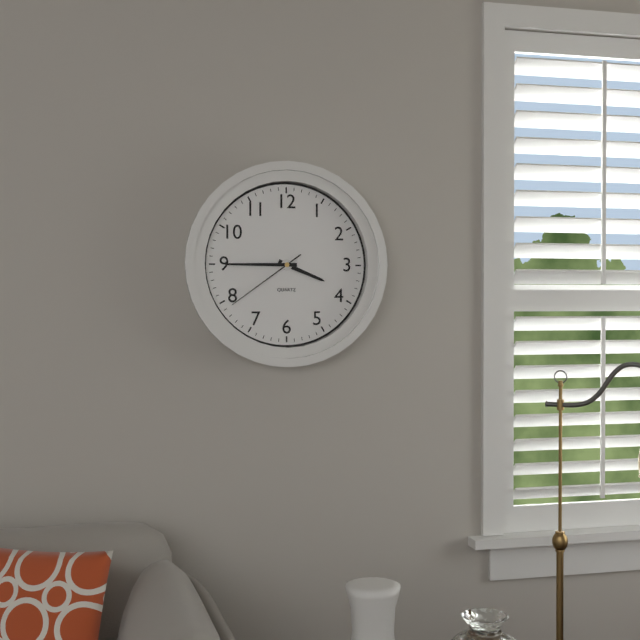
3:45:39
